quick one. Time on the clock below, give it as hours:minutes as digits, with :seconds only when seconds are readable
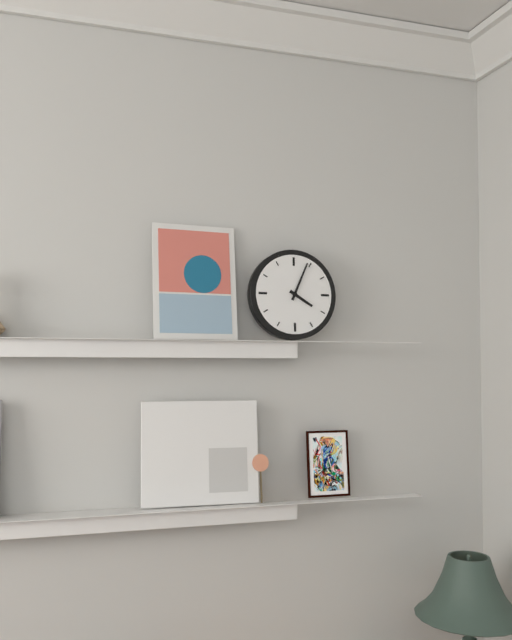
4:04
